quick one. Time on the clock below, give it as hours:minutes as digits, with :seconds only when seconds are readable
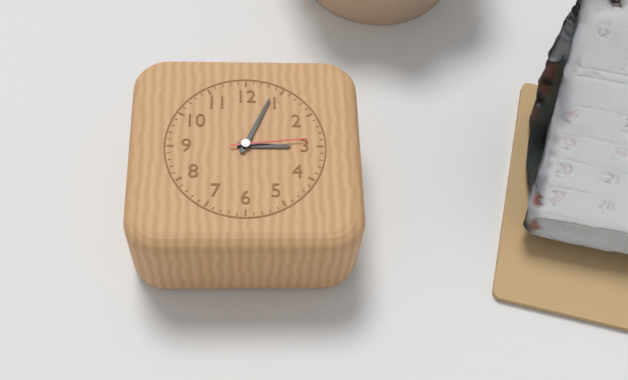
3:04:14
